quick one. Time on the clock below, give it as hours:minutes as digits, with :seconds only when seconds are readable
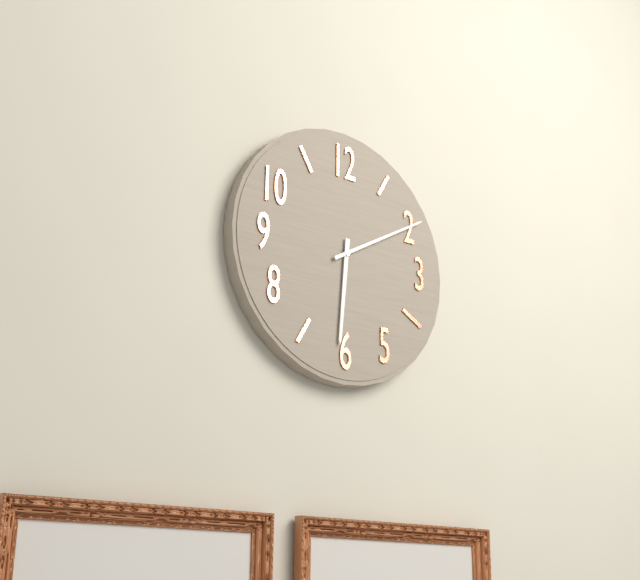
6:10
